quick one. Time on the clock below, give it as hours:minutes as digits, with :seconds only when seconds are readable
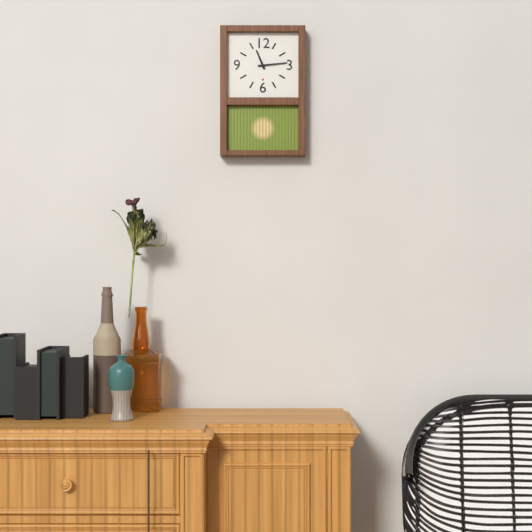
11:14
